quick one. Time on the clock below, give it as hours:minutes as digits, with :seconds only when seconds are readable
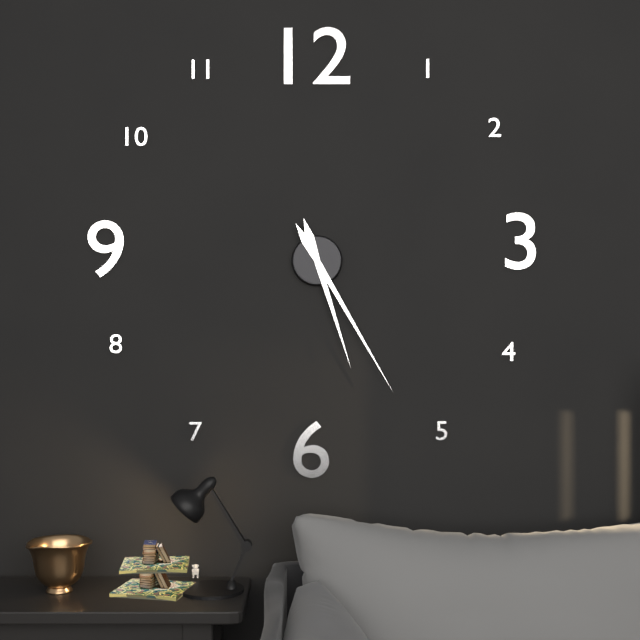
5:25
